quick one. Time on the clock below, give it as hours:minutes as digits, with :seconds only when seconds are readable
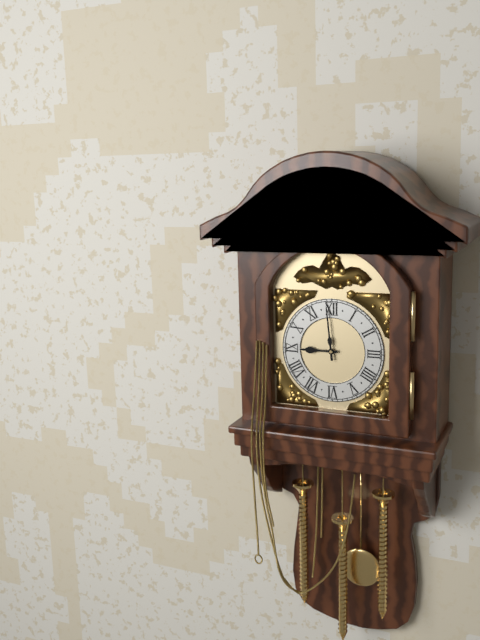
8:59
